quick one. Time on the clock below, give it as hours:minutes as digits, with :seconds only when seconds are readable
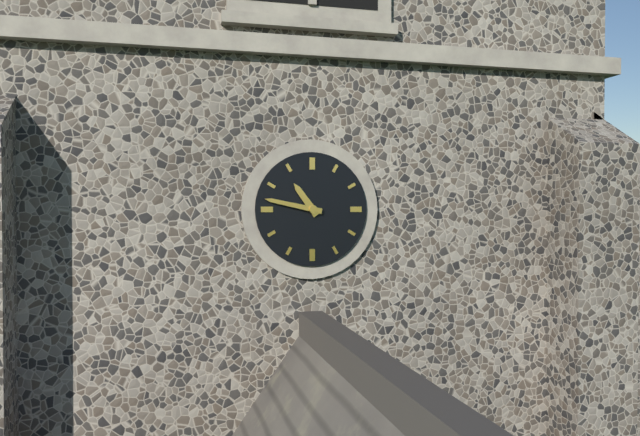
10:47
